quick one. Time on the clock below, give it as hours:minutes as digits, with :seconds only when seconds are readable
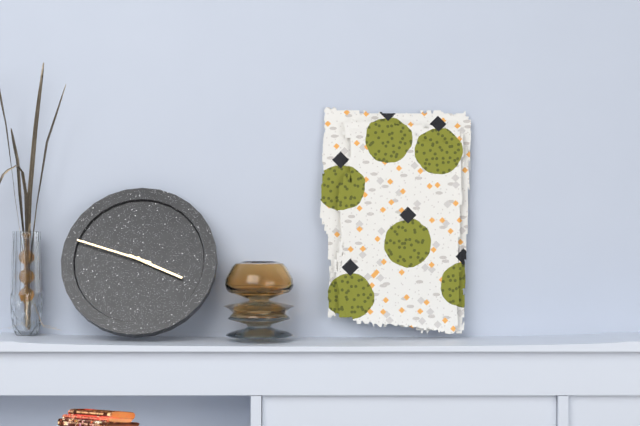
3:48
